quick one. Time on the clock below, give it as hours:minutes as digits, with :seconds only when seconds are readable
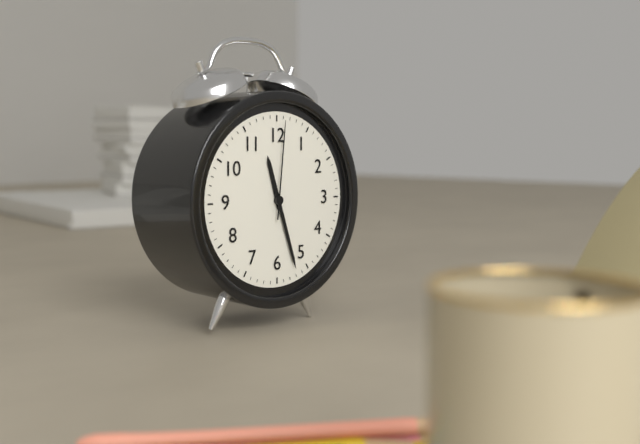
11:27:01
